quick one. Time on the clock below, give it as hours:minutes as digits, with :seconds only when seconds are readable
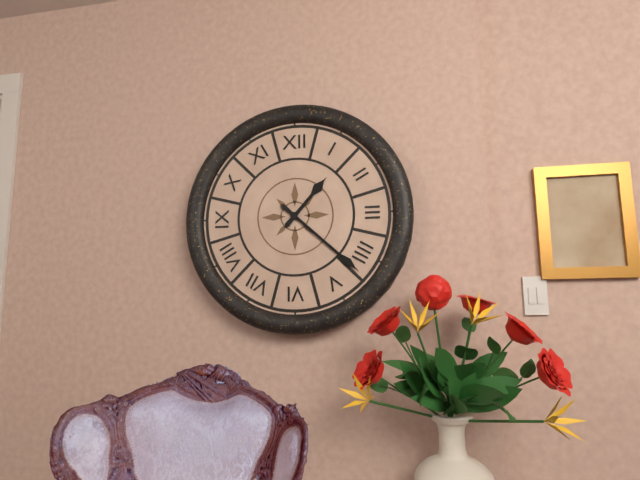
1:22
